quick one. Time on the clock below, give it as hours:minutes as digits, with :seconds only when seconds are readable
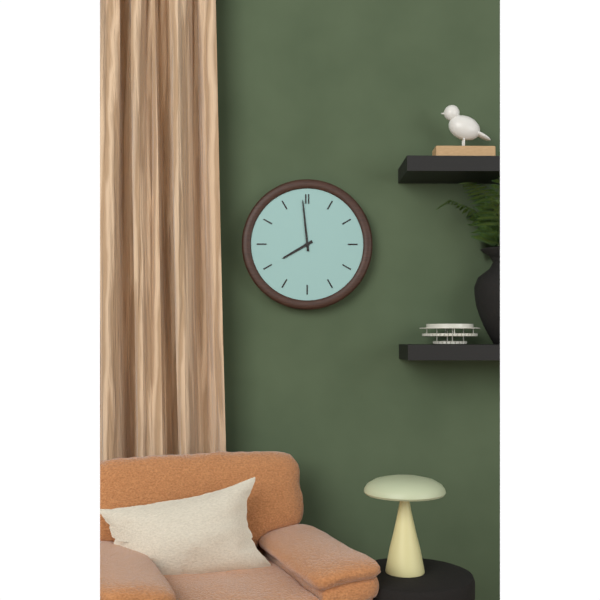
7:59
